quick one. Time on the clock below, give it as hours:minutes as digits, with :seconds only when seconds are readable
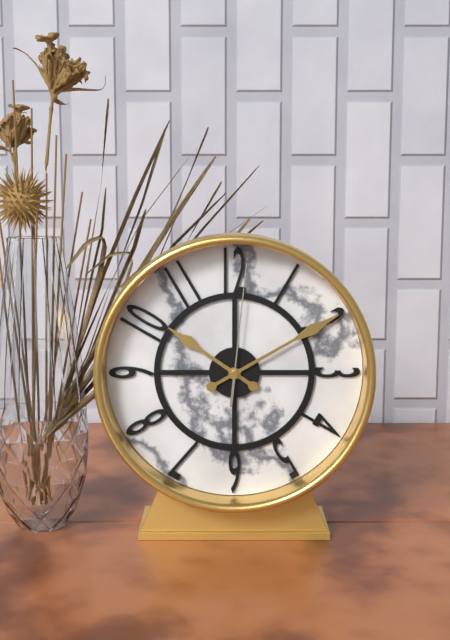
10:10:01
